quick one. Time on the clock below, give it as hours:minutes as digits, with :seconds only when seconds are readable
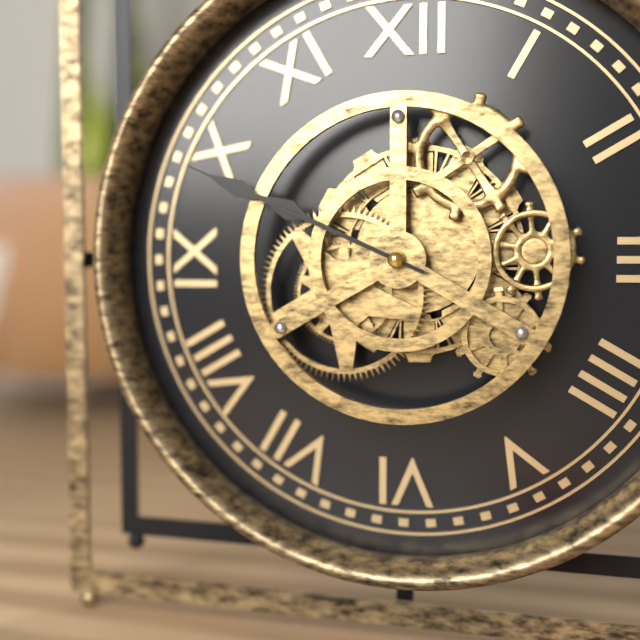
9:49
